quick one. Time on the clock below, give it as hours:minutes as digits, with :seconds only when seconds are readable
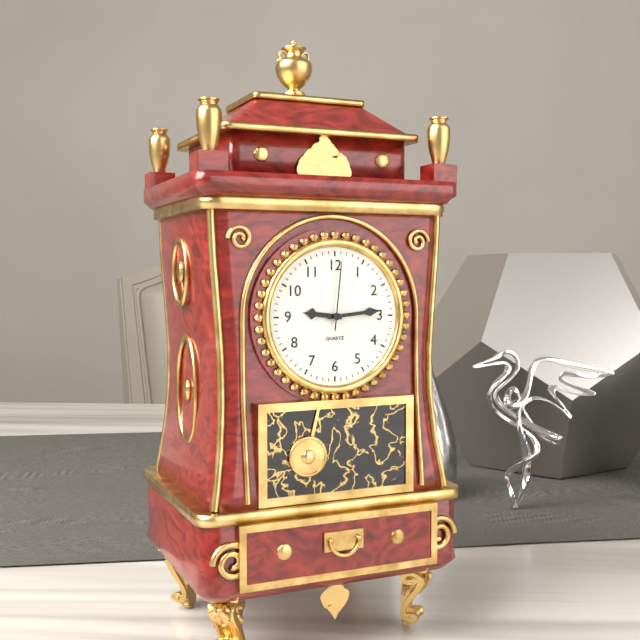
9:14:01
